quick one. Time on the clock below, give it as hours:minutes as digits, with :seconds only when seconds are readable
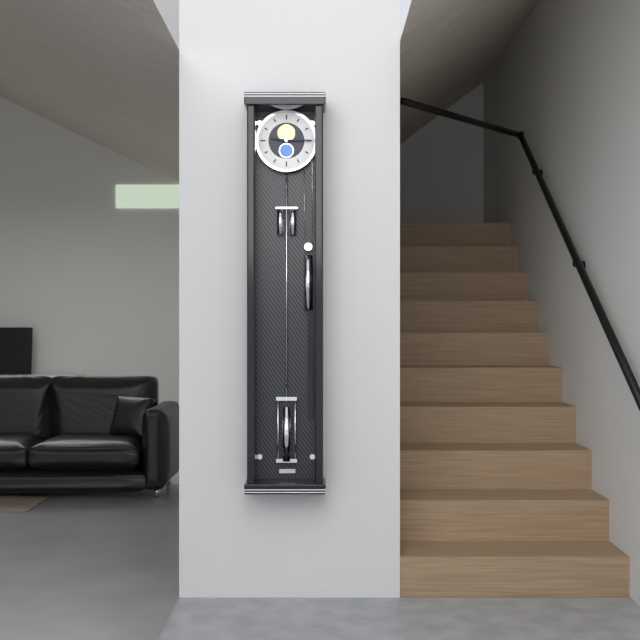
9:15
